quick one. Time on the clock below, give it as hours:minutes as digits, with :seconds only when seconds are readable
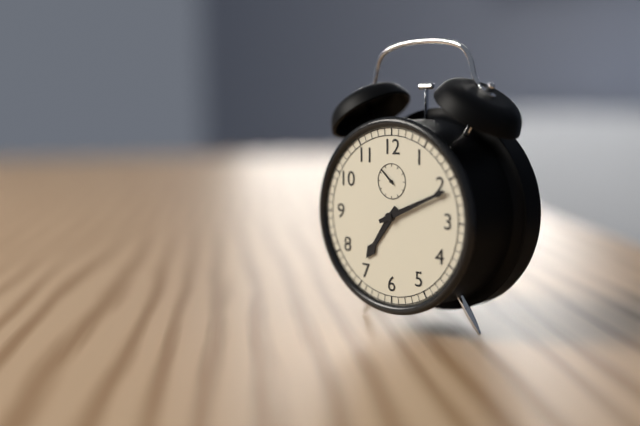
7:11
